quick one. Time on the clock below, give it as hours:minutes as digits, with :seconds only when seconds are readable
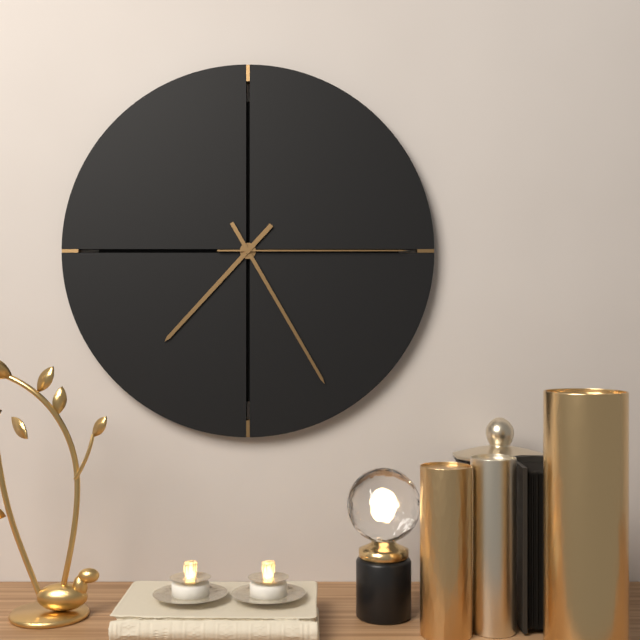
7:25:15
